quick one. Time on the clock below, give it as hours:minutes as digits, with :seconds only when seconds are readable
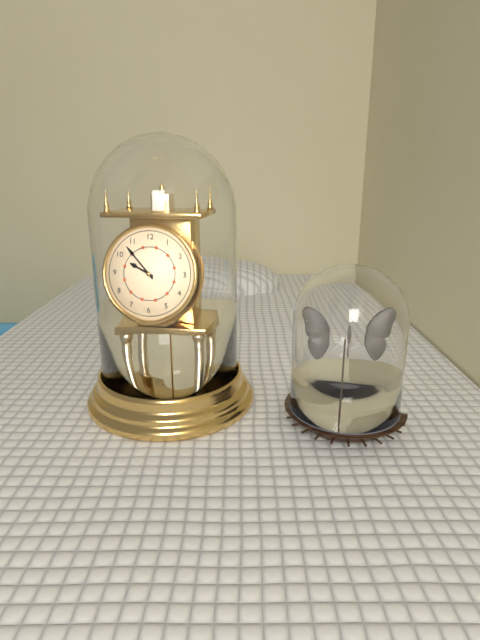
9:53
